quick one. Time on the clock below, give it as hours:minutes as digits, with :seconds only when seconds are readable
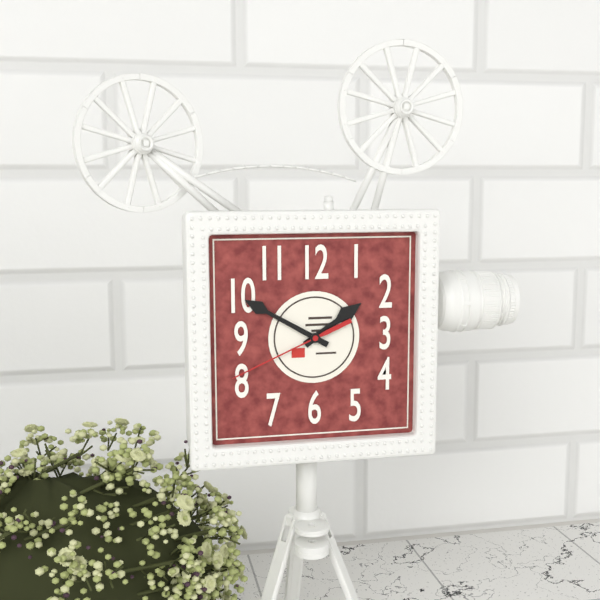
1:50:41
